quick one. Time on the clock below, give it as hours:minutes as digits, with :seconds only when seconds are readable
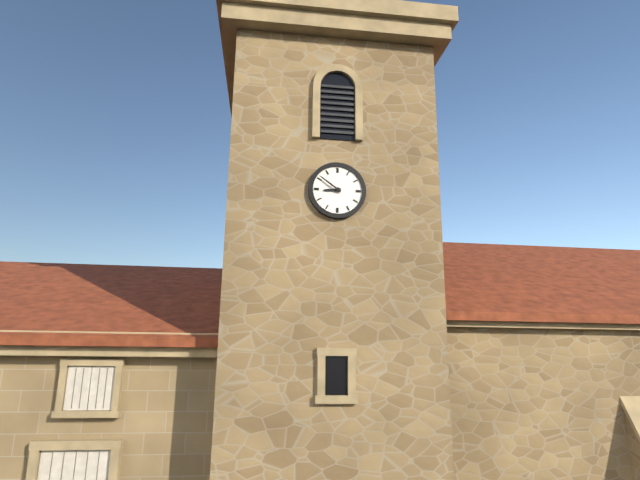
8:51
